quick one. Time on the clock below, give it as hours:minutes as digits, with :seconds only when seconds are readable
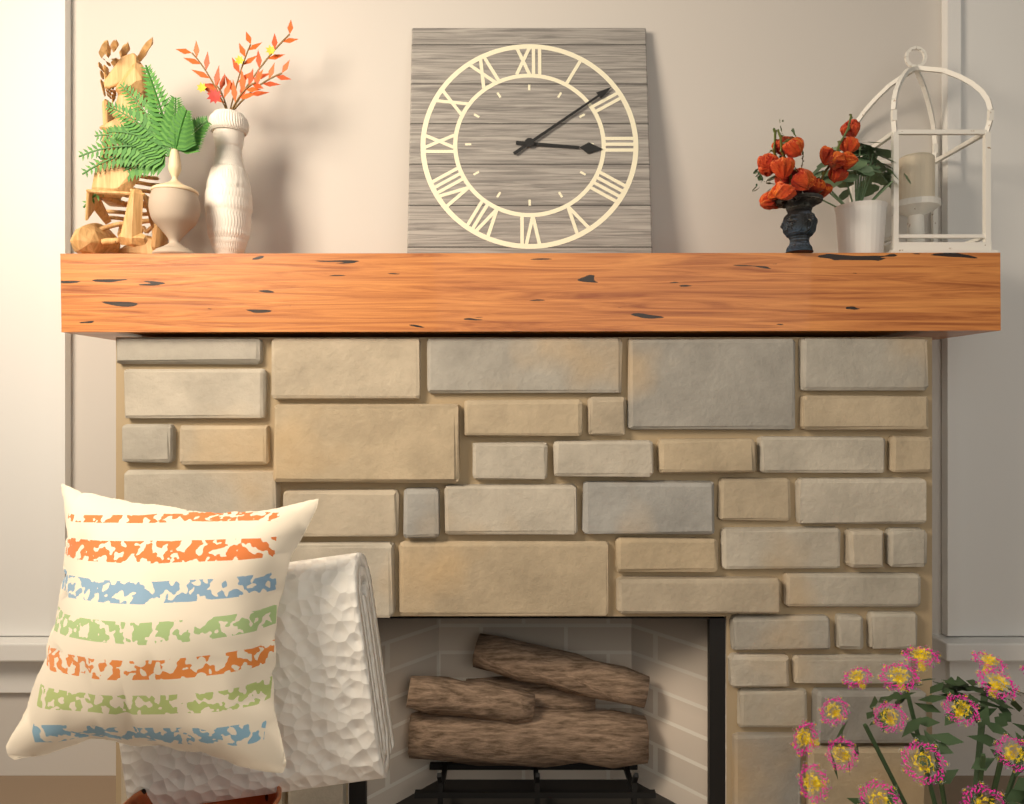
3:09
